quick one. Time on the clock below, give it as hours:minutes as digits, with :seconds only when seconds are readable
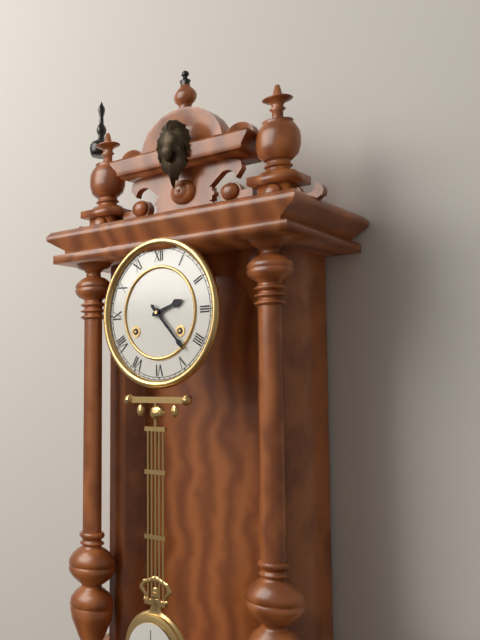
2:23
